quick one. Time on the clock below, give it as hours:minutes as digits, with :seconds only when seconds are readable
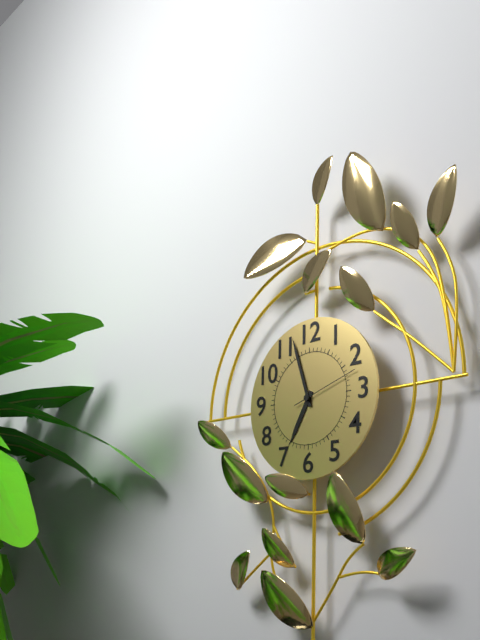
6:57:12
